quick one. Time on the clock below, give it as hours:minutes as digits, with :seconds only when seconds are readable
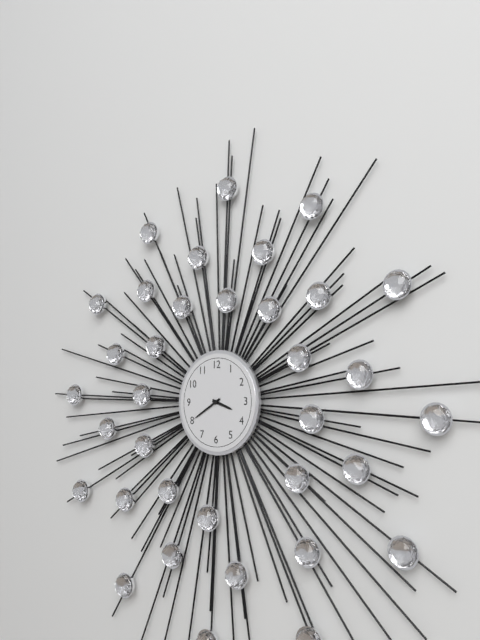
3:40
